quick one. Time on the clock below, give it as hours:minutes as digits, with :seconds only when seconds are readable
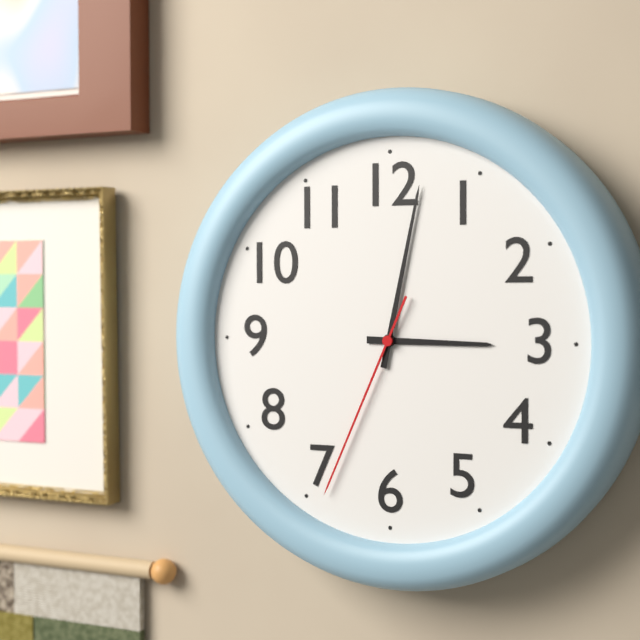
3:02:34
